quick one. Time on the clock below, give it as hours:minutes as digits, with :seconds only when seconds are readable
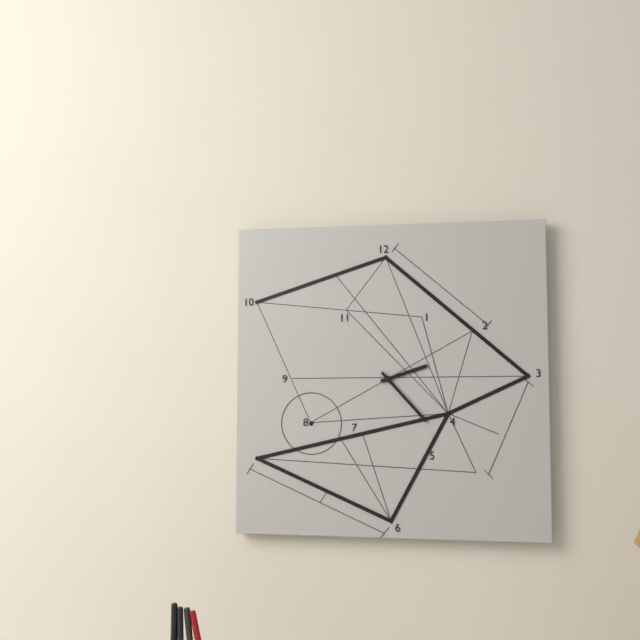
2:23
